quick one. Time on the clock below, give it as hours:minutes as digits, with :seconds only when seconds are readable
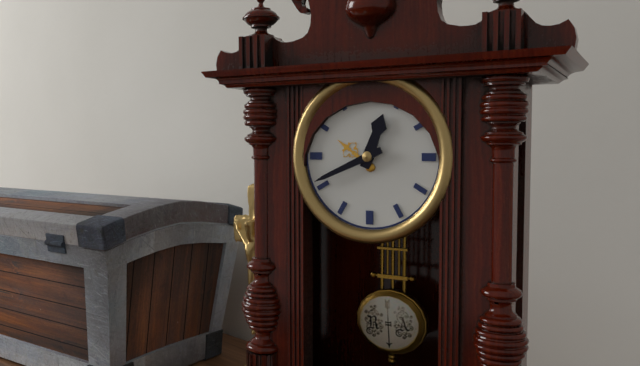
12:41
